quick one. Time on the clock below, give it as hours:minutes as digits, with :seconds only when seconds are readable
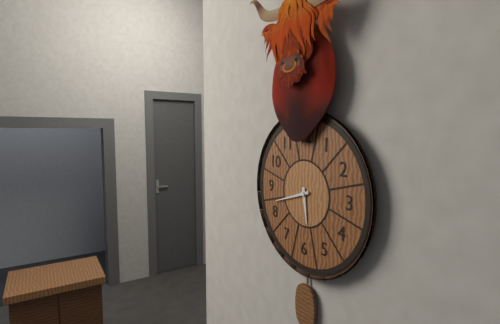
5:42
